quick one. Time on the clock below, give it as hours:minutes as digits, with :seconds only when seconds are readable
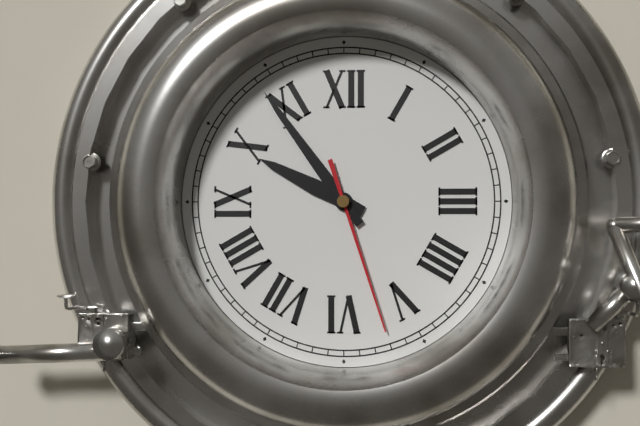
9:54:27
